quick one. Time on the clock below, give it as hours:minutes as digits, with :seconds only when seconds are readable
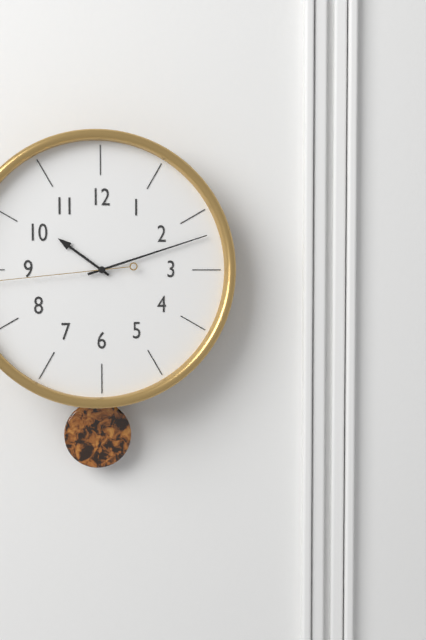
10:12
